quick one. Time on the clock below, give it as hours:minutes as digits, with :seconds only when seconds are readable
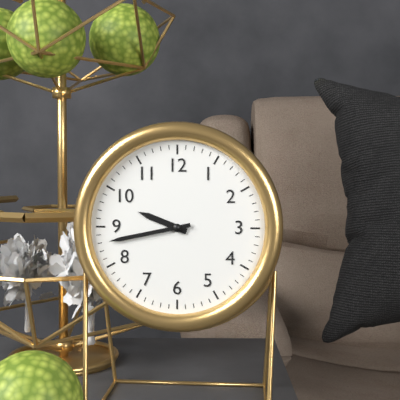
9:43
